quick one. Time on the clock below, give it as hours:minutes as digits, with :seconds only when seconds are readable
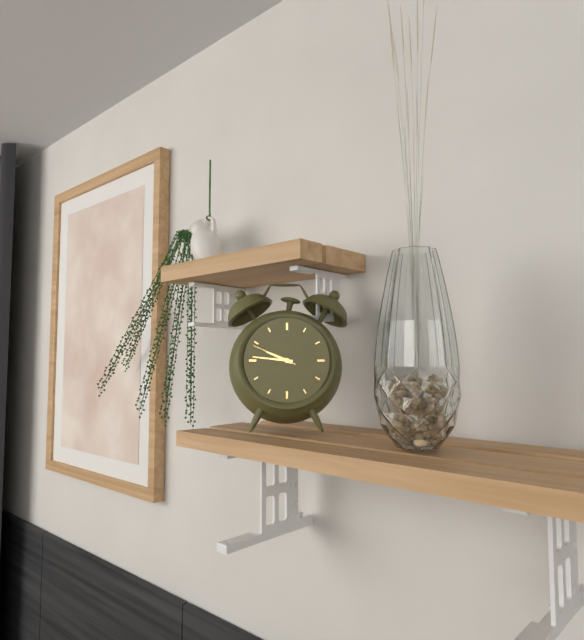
9:46
